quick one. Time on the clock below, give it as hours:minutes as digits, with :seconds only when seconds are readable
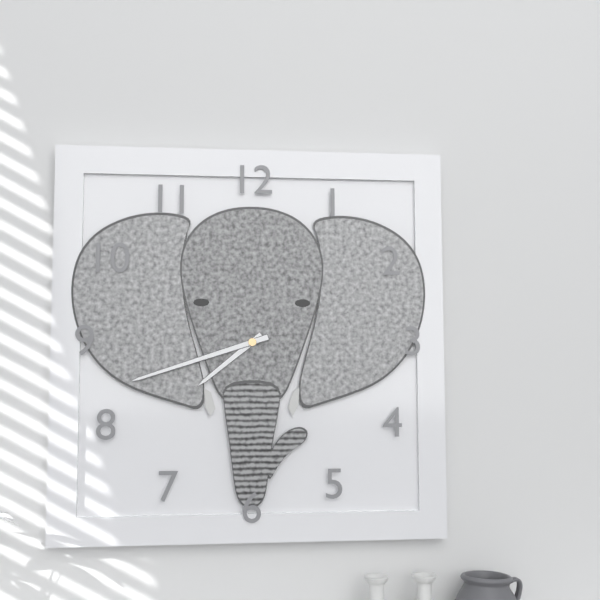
7:42
